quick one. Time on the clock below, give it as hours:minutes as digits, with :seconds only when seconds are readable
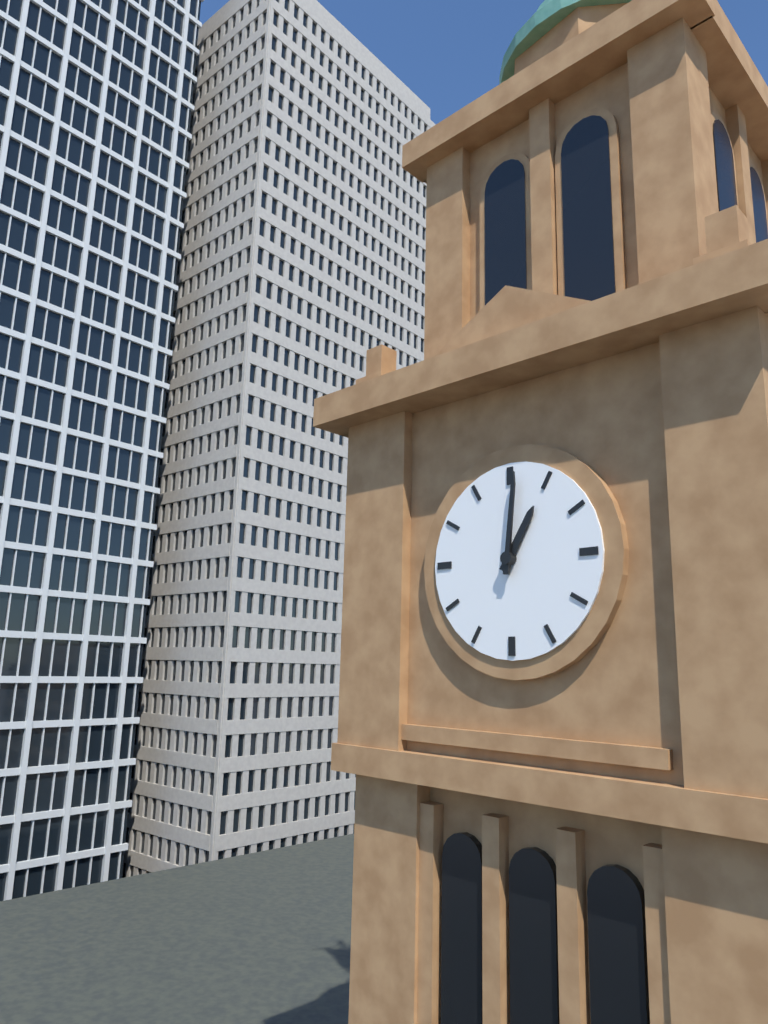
1:01
